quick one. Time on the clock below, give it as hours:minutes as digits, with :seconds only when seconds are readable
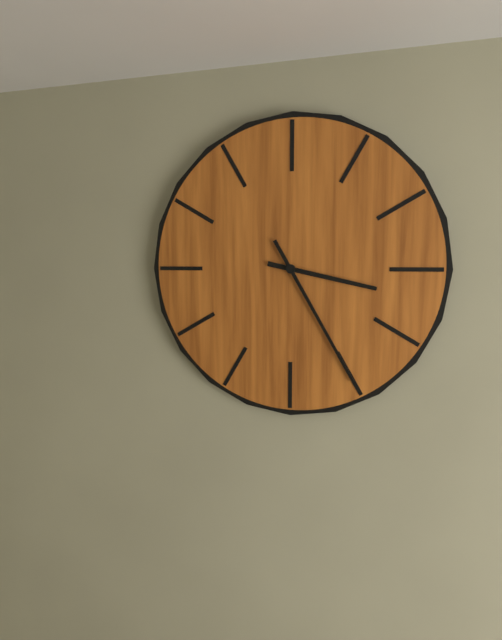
3:25
